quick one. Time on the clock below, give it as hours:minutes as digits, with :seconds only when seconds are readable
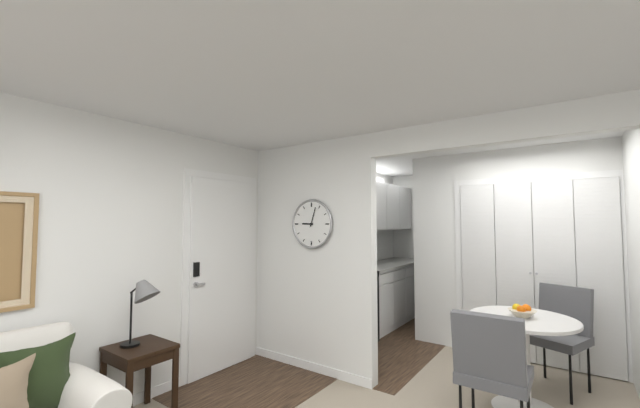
9:03
